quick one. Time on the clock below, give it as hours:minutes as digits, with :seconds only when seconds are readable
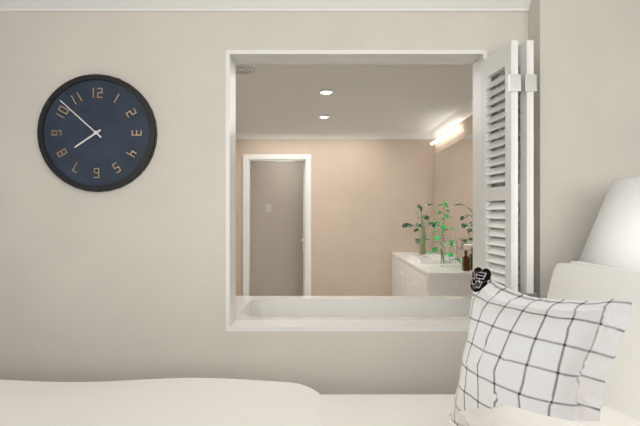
7:52
